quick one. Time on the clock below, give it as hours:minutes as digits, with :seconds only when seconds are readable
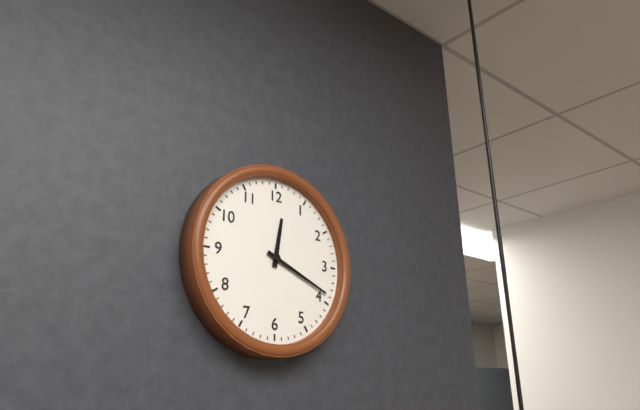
12:19
